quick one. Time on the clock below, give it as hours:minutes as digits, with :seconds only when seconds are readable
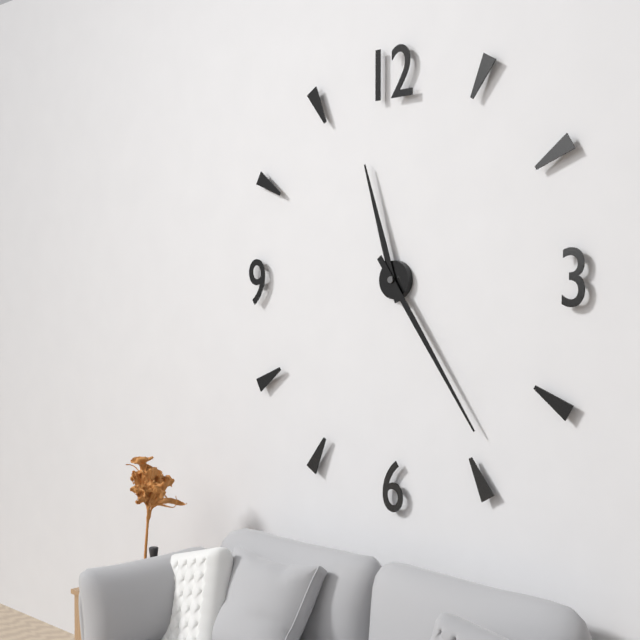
11:24
